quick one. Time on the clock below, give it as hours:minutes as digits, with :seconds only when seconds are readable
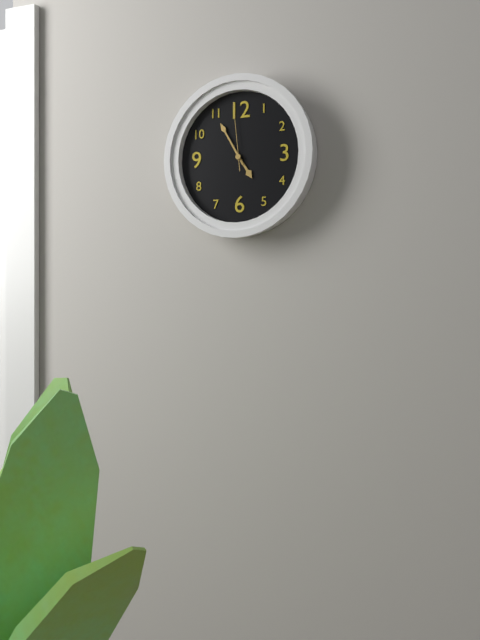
4:55:59
